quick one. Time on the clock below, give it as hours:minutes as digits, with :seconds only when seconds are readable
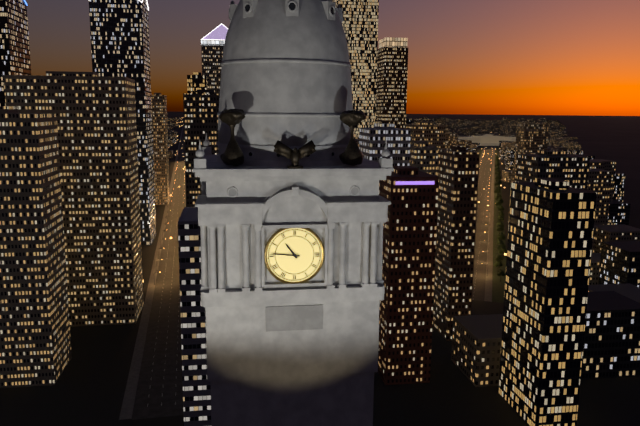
10:46
